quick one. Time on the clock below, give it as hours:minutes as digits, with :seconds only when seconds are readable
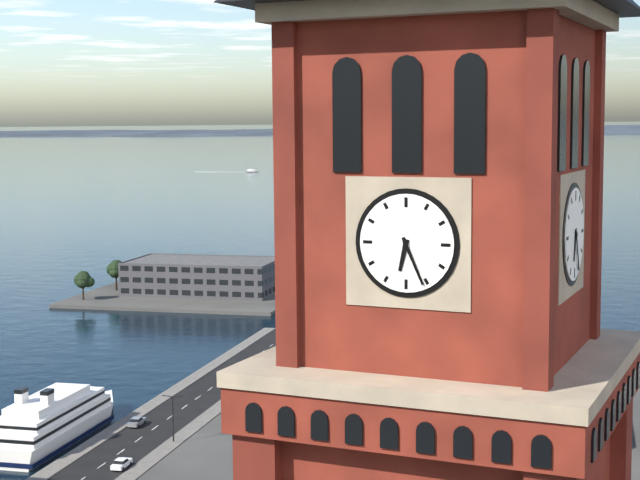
6:26
